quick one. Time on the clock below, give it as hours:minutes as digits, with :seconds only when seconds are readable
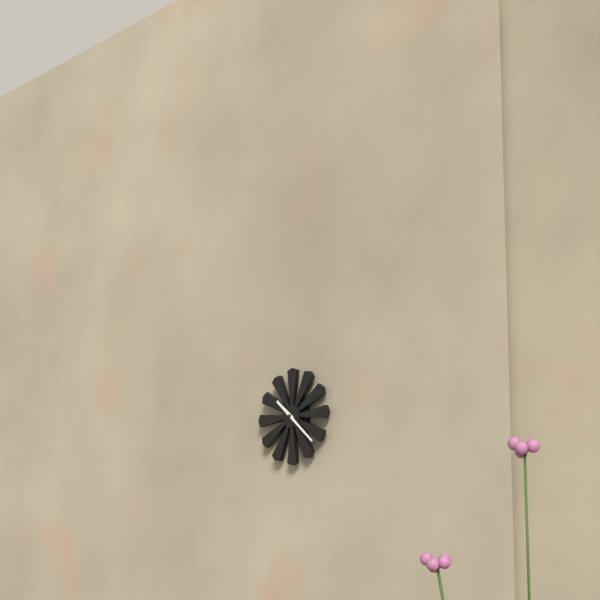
10:22
